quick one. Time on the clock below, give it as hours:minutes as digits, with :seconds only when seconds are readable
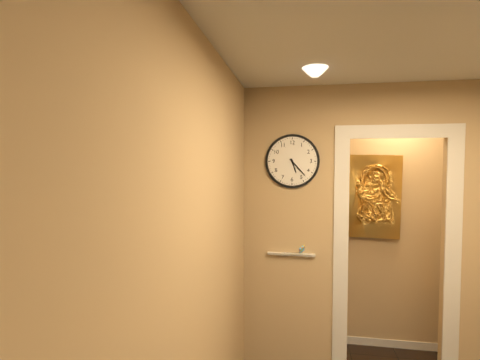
5:23
